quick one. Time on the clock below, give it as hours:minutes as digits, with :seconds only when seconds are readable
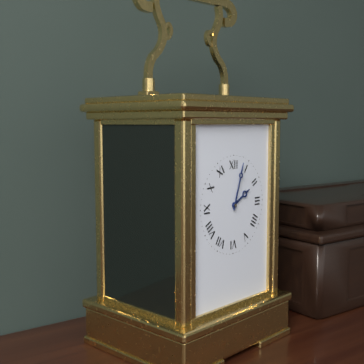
2:03
